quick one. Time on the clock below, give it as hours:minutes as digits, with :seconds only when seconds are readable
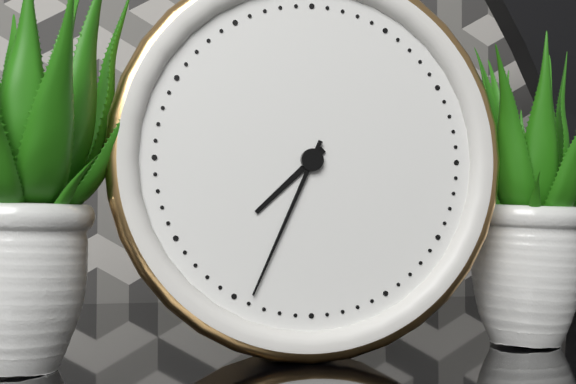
7:34
